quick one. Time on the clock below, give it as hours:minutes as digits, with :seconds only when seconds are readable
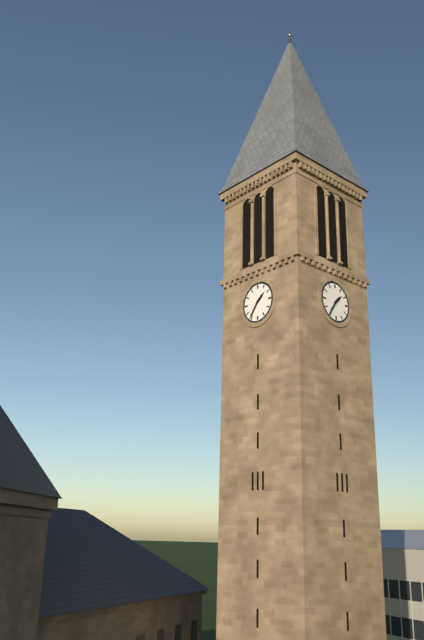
1:36
